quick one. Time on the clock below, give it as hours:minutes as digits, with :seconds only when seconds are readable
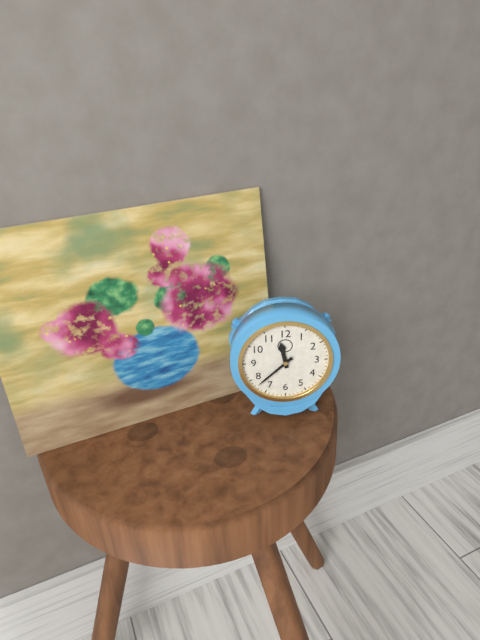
11:38
